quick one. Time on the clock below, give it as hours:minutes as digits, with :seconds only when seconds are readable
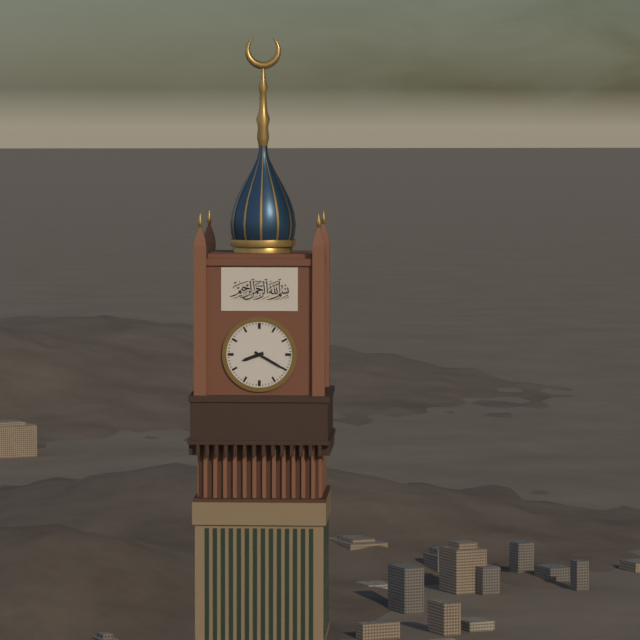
8:20
